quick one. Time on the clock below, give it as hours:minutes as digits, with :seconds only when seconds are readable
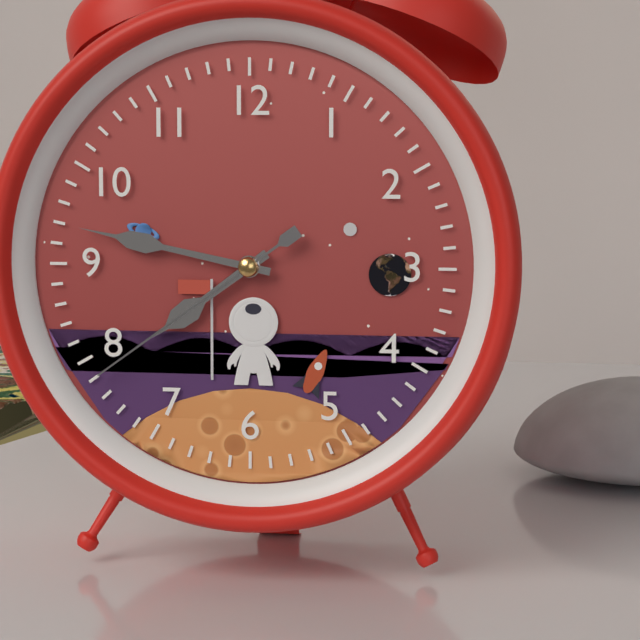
7:47:39
